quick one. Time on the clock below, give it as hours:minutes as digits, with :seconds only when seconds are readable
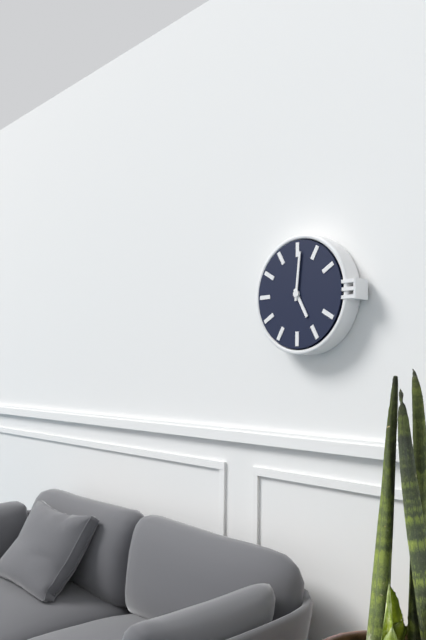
5:01
